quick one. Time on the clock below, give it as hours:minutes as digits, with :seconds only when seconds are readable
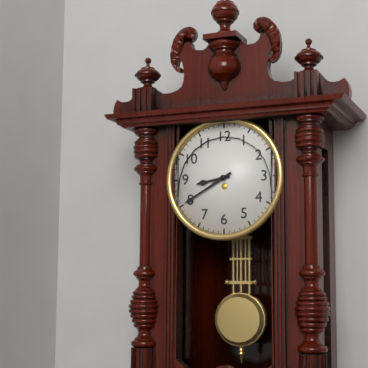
8:40
